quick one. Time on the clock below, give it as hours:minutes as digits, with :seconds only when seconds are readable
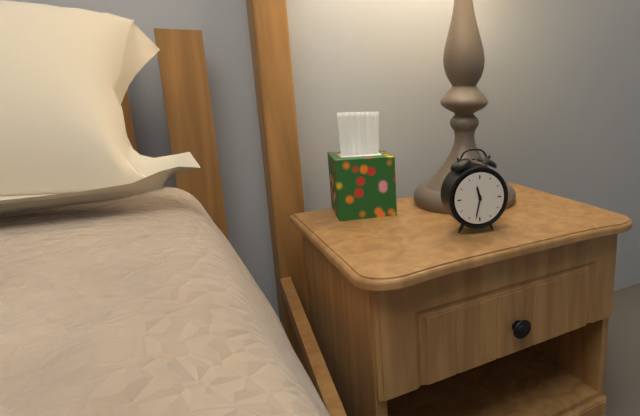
11:32
